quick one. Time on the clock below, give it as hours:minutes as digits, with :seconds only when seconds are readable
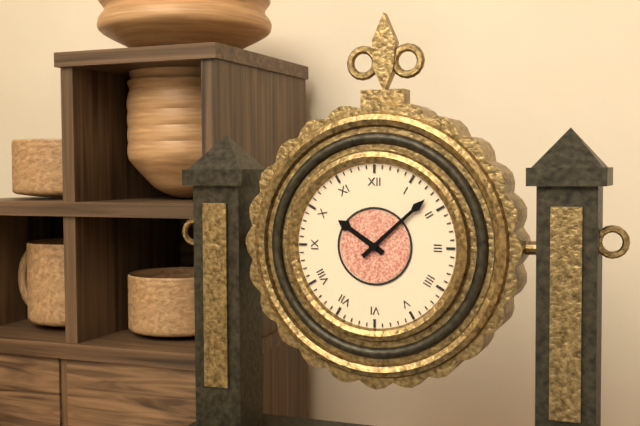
10:08
